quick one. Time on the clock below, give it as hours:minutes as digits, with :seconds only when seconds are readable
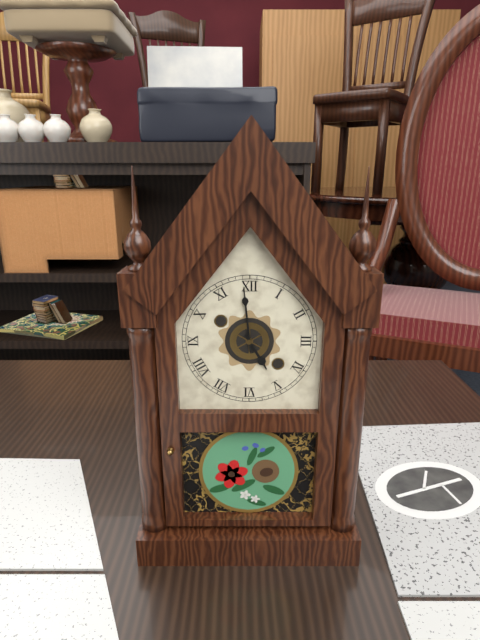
4:59
